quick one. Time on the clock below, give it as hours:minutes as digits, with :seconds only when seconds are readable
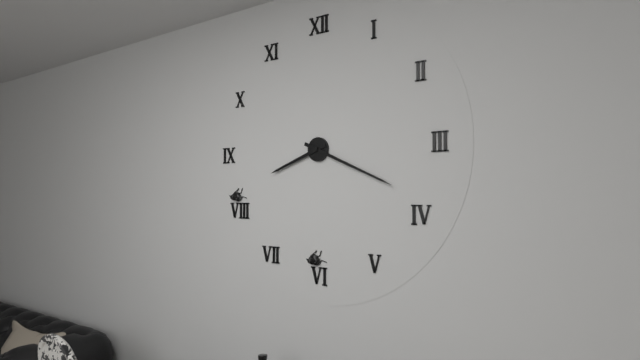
8:19
